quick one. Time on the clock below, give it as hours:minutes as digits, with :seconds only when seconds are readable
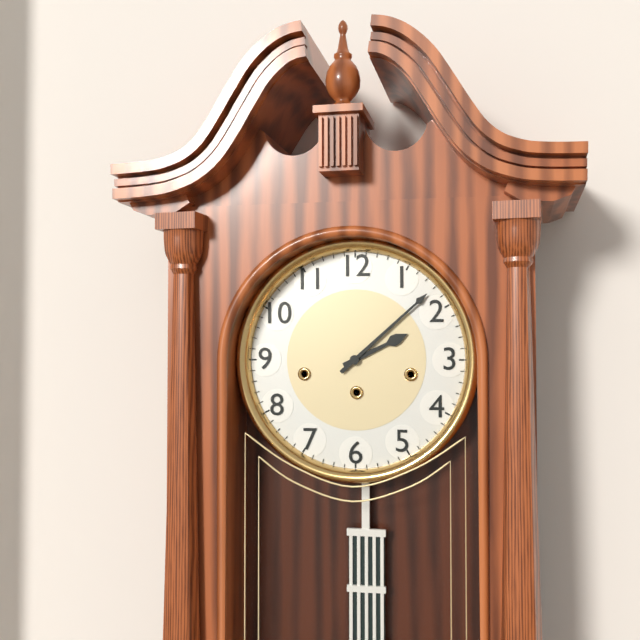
2:08
